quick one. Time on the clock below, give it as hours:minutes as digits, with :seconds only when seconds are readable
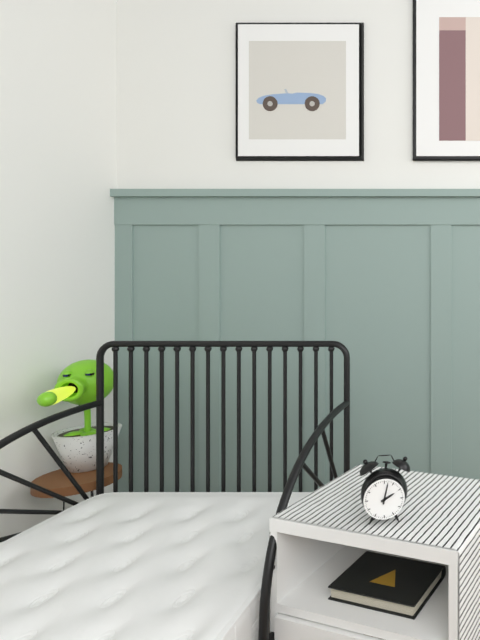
2:02
